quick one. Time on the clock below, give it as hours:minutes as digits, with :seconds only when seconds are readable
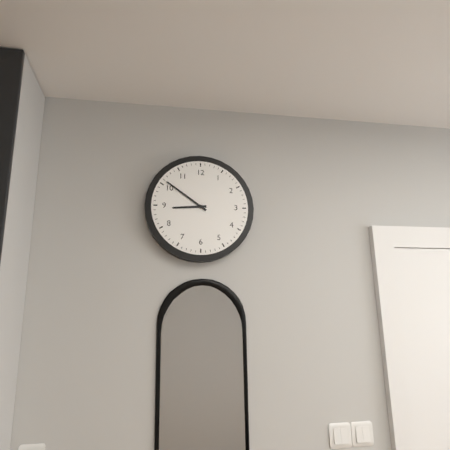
8:51
